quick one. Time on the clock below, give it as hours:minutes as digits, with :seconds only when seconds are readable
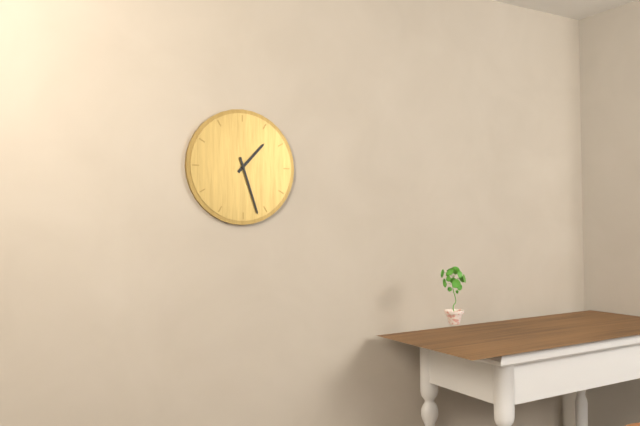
1:27
